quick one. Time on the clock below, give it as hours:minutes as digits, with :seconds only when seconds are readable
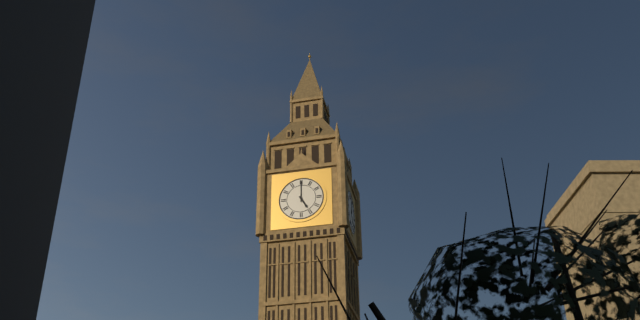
5:00
